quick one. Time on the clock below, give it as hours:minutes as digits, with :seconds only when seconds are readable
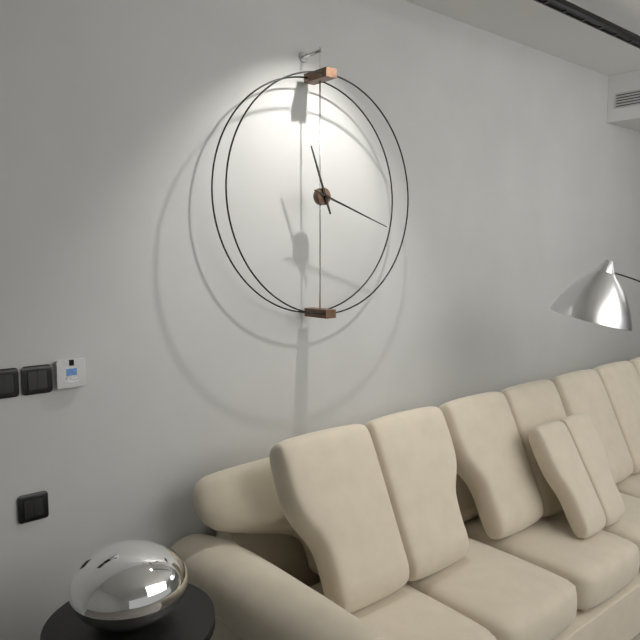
11:18
